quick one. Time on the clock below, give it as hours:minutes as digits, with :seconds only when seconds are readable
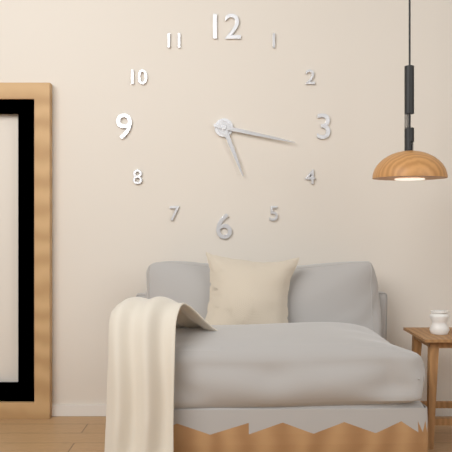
5:17
